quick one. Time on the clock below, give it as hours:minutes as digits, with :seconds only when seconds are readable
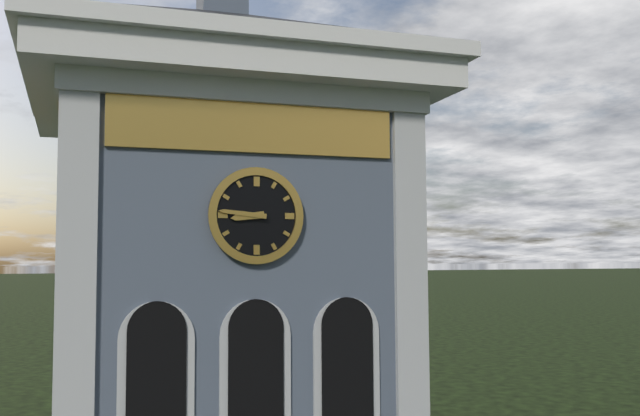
8:46
